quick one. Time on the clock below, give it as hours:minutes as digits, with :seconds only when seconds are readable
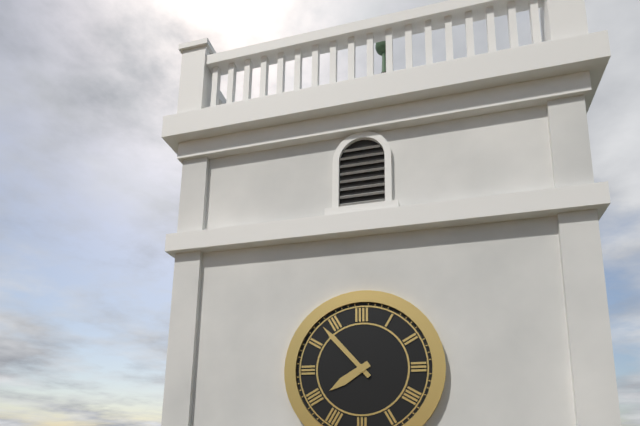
7:53
